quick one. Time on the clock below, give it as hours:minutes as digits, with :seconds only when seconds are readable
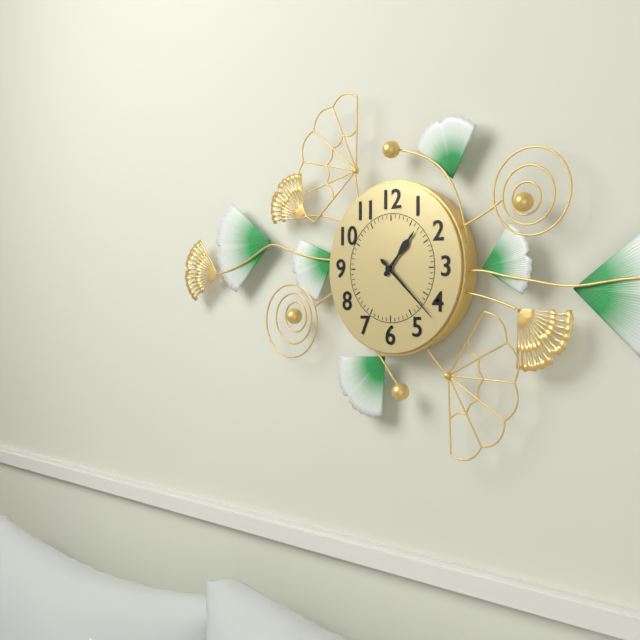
1:22
